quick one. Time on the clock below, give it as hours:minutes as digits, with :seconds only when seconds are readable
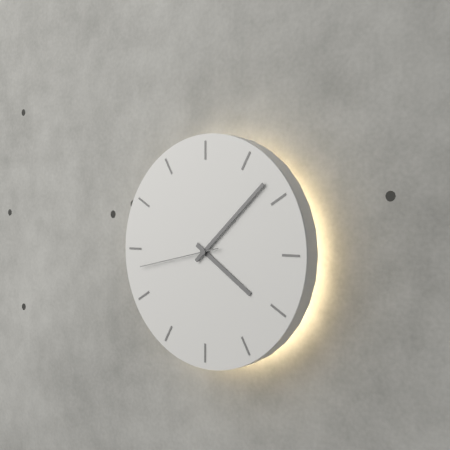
4:08:43
